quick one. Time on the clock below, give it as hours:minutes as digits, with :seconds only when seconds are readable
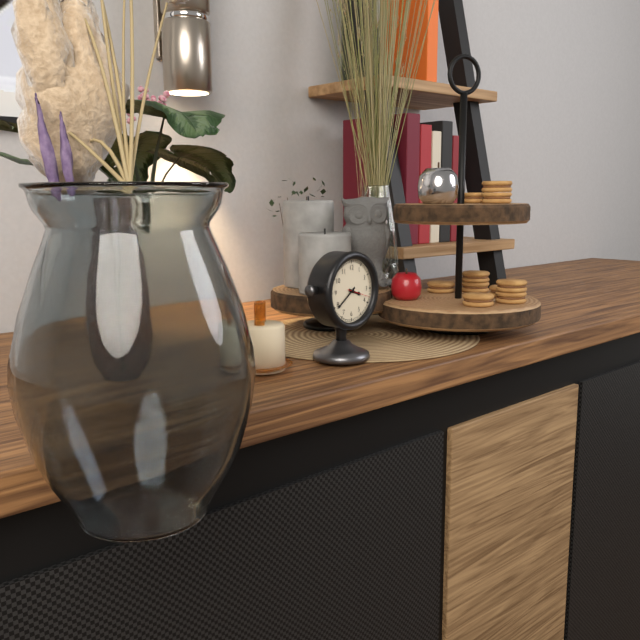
3:39
